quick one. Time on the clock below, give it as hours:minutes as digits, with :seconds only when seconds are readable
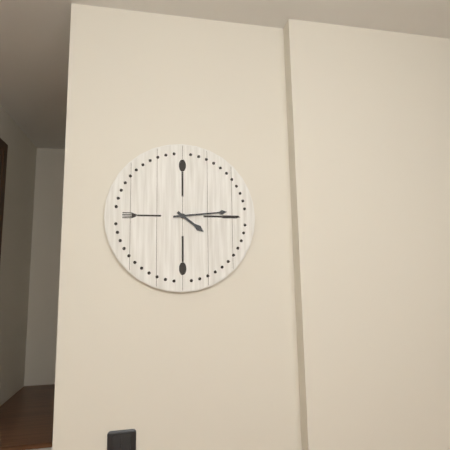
4:14
